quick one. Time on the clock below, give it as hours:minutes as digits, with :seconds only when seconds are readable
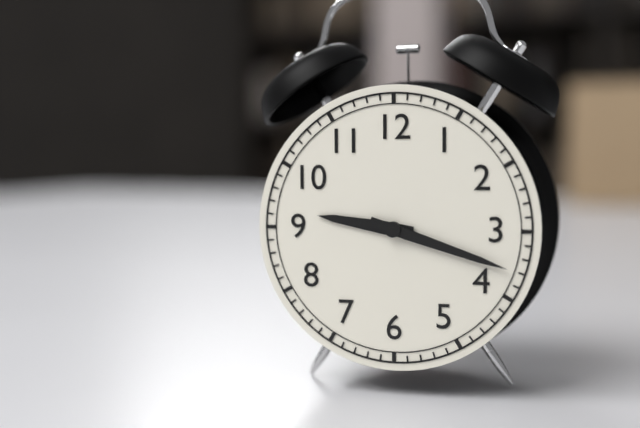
9:18
